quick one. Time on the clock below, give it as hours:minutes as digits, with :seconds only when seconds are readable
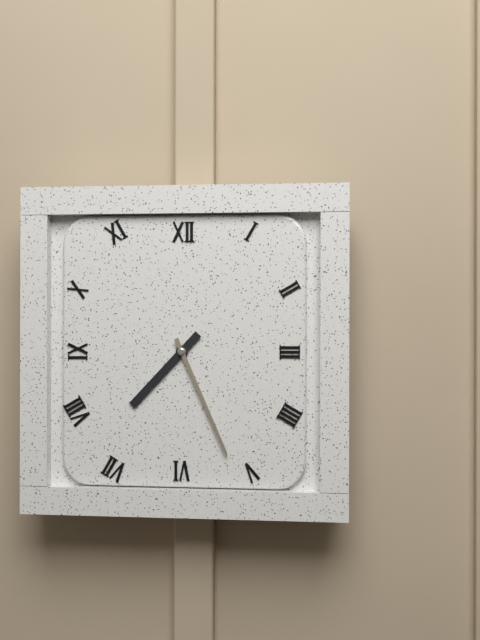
7:26
